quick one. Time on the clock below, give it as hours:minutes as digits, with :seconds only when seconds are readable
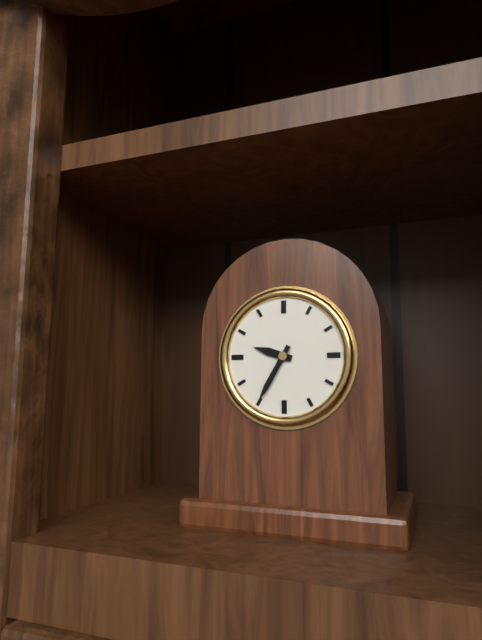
9:35
